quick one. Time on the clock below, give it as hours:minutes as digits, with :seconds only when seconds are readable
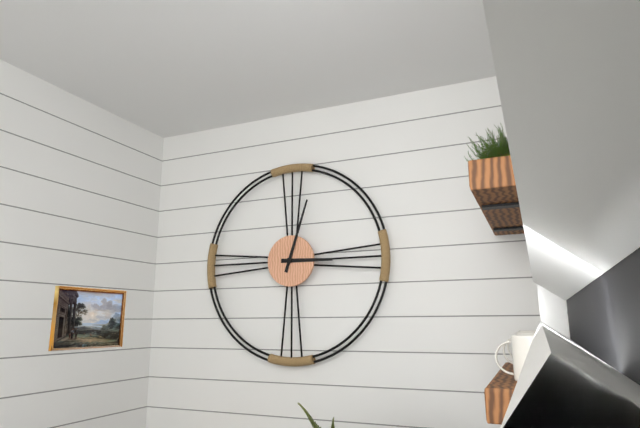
3:03
